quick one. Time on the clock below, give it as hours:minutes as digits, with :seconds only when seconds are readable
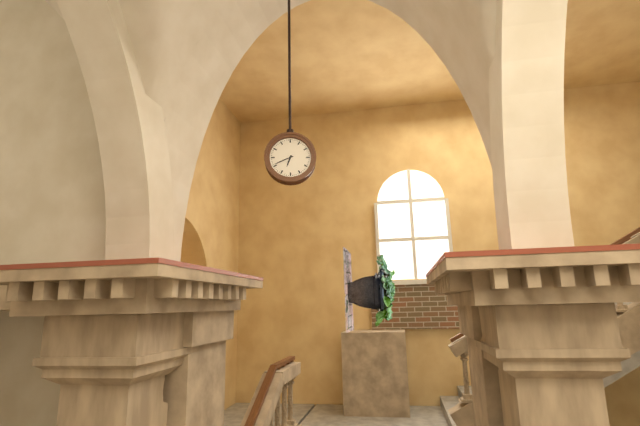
6:41
